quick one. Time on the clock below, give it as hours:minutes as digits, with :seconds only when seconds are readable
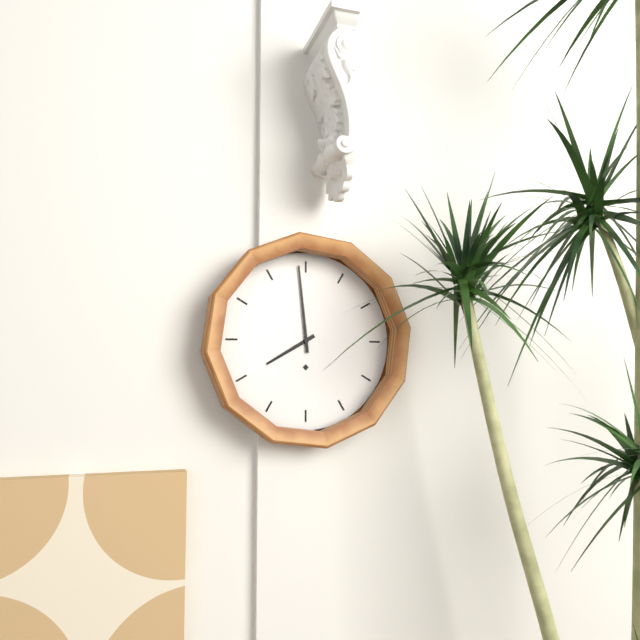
7:59
